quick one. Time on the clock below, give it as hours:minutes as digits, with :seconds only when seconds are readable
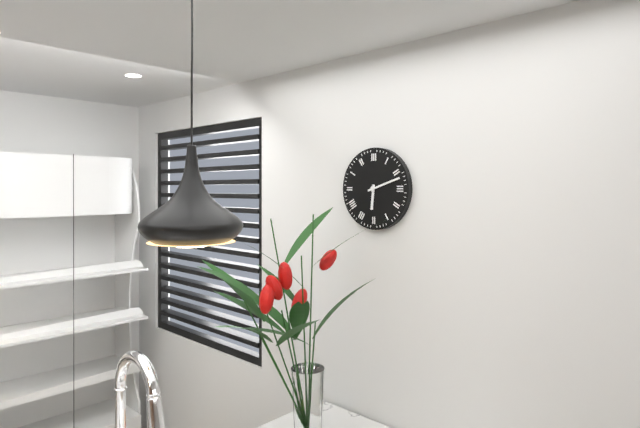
6:12
